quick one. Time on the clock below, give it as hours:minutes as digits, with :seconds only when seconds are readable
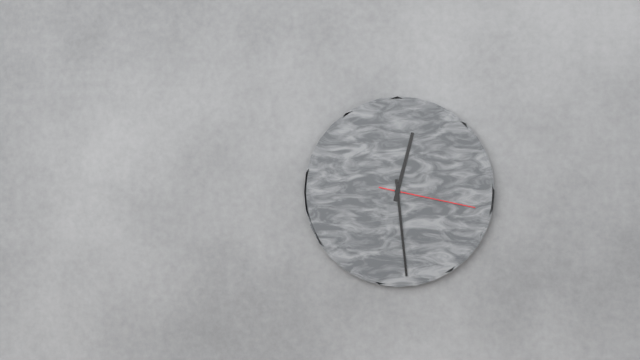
12:29:17
